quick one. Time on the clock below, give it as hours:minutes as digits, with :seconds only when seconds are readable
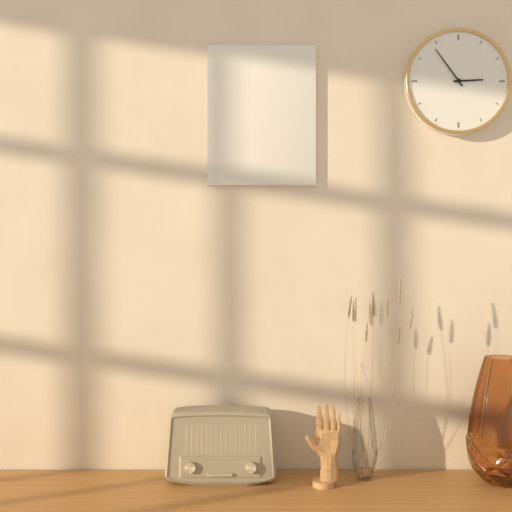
2:54
